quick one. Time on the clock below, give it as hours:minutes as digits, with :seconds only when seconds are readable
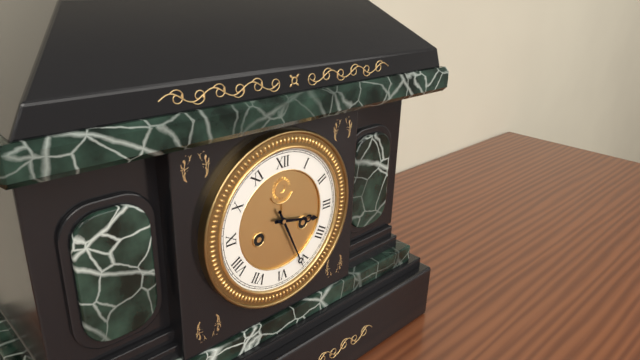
3:26
